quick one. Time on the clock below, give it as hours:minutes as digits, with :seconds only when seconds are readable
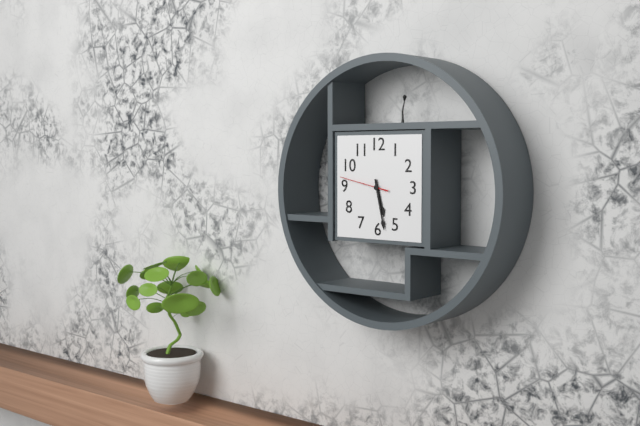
5:28
